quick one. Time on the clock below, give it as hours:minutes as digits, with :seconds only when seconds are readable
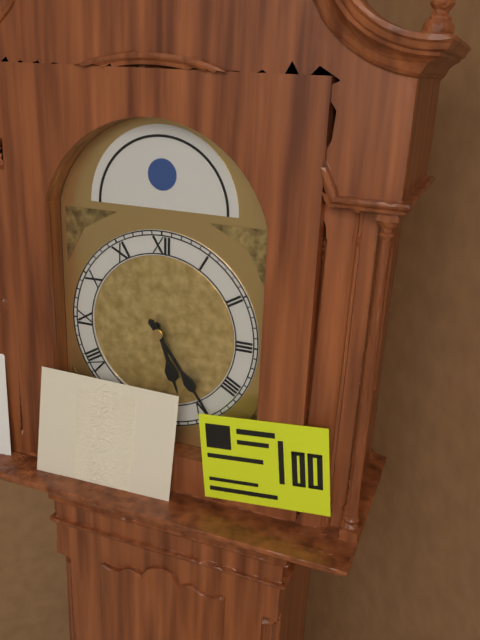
5:24
